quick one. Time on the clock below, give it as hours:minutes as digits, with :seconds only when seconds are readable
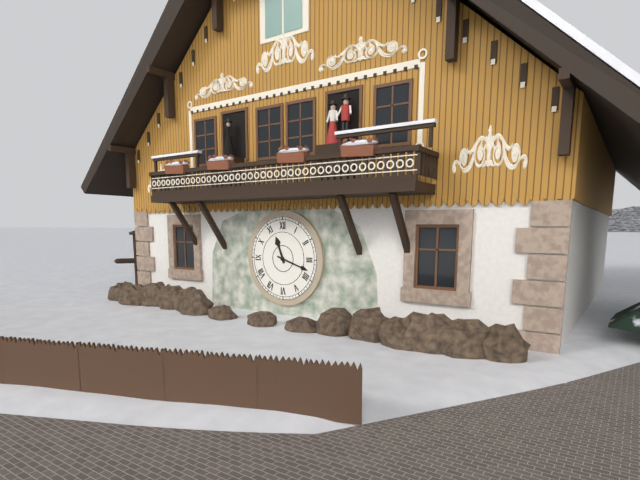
11:18
